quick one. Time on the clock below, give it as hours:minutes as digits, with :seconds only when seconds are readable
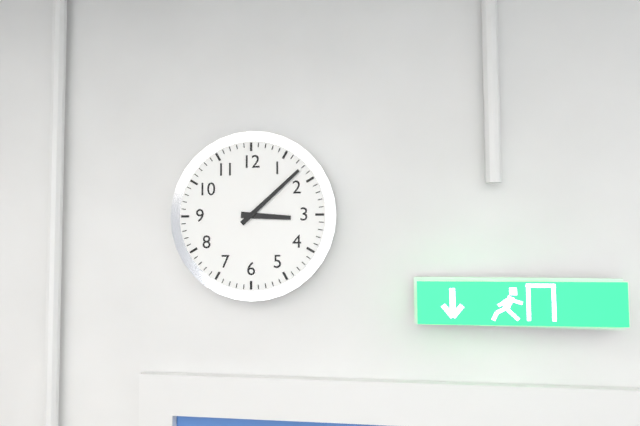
3:08
